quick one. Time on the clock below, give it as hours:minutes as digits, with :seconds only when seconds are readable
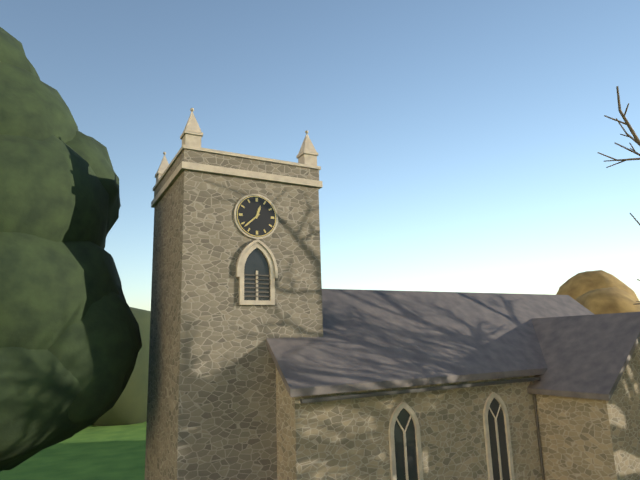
12:38
